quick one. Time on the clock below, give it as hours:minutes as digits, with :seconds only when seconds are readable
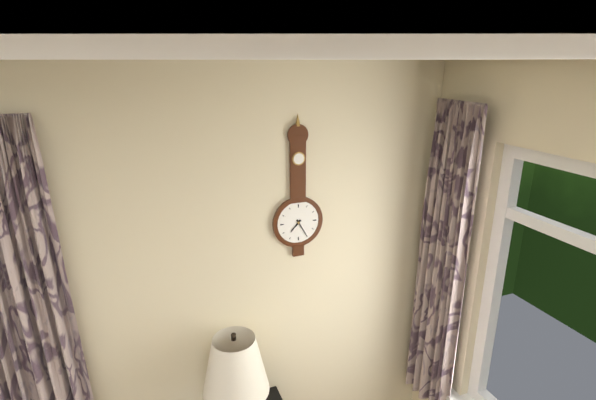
7:25
